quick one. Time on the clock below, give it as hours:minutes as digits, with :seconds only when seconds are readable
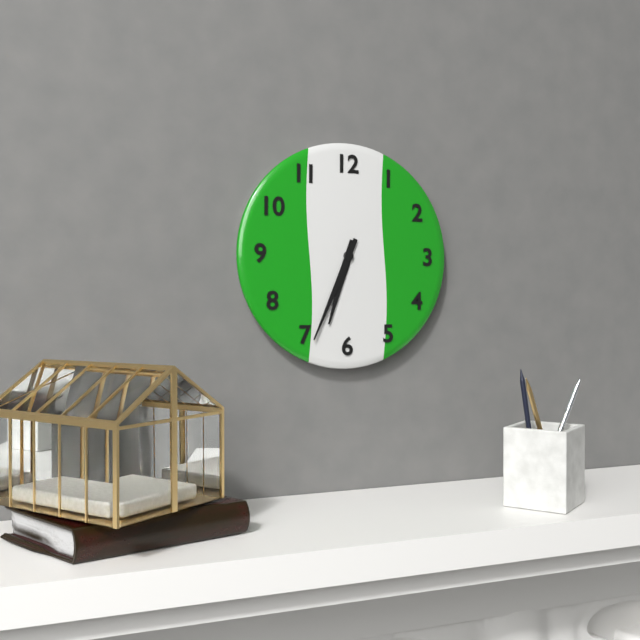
6:34
